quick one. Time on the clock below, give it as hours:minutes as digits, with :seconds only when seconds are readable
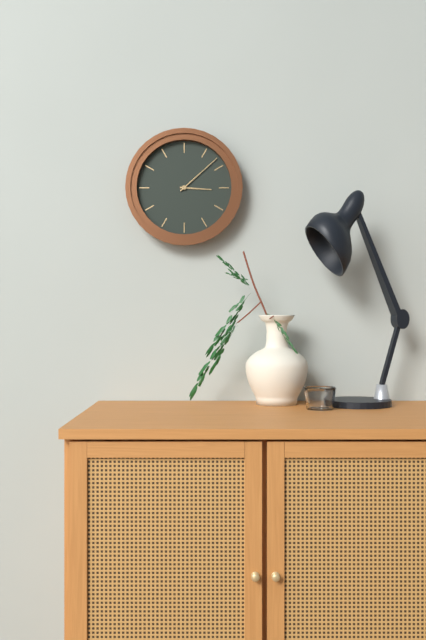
3:08
